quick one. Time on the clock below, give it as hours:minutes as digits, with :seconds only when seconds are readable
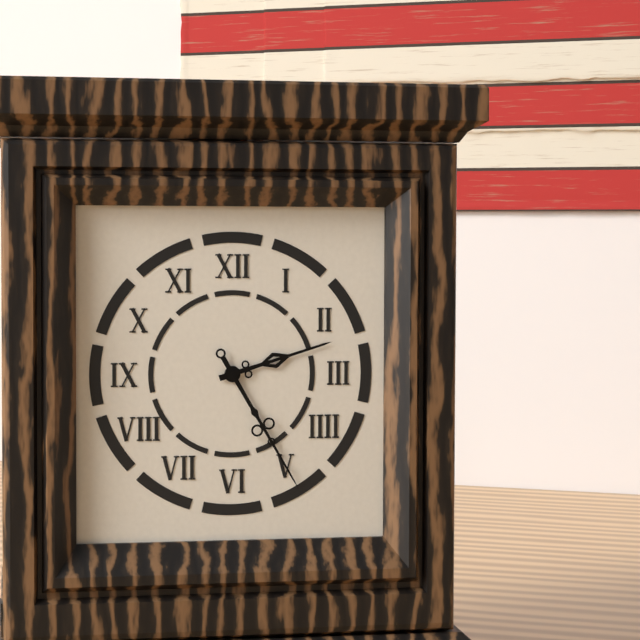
2:25
